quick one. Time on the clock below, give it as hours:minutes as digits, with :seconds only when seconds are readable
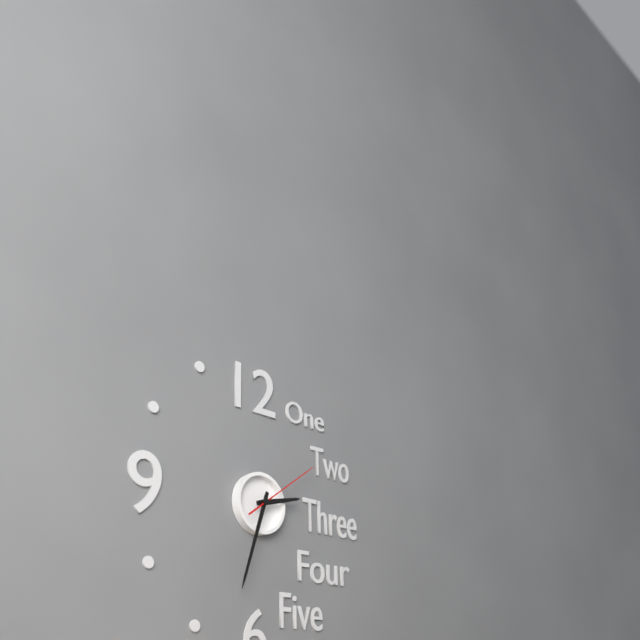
2:33:09
